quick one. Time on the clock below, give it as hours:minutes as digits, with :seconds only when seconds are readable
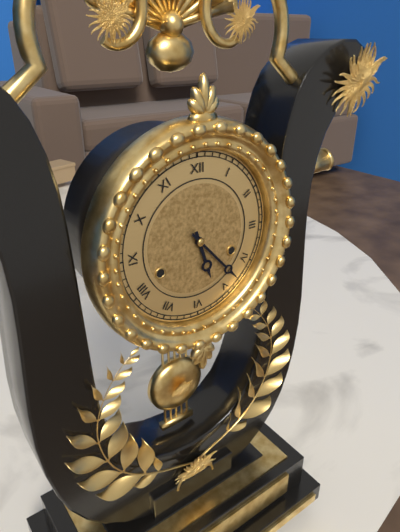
5:23
